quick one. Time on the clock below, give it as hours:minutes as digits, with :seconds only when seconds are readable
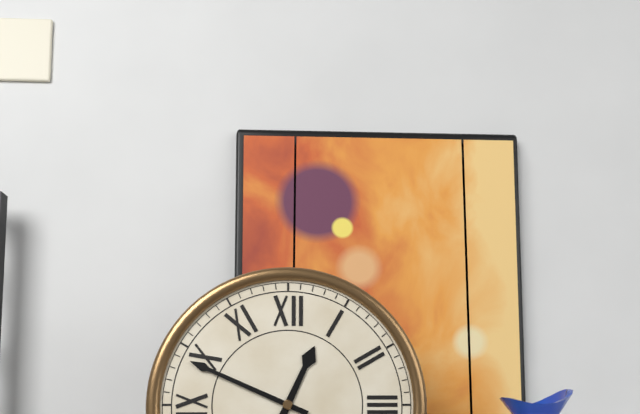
12:49
